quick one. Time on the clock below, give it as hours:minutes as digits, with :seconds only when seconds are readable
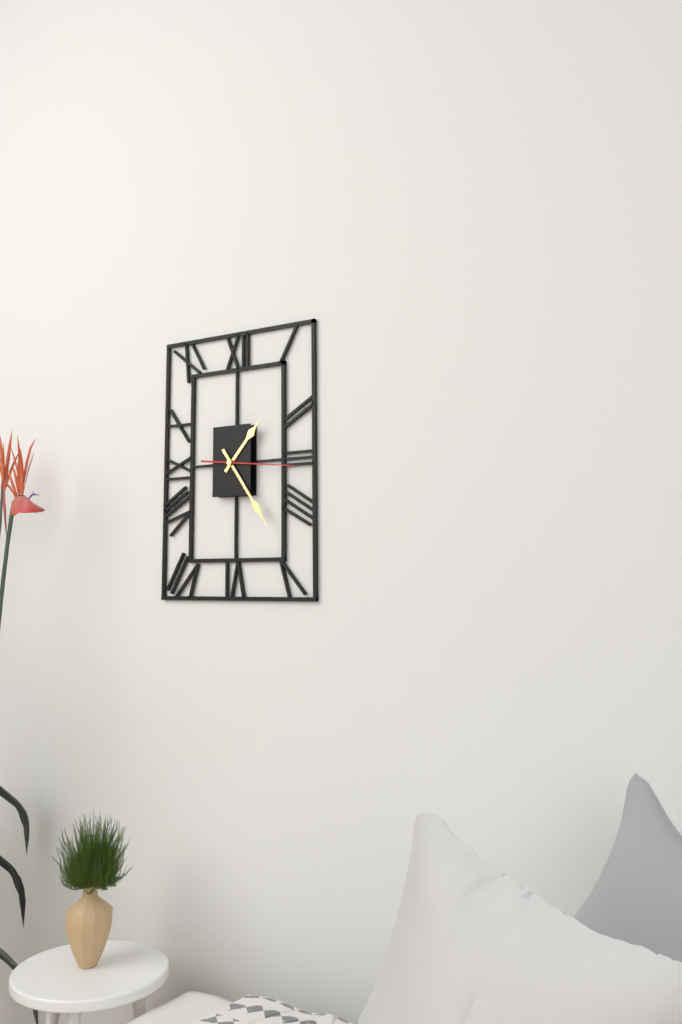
1:24:16
